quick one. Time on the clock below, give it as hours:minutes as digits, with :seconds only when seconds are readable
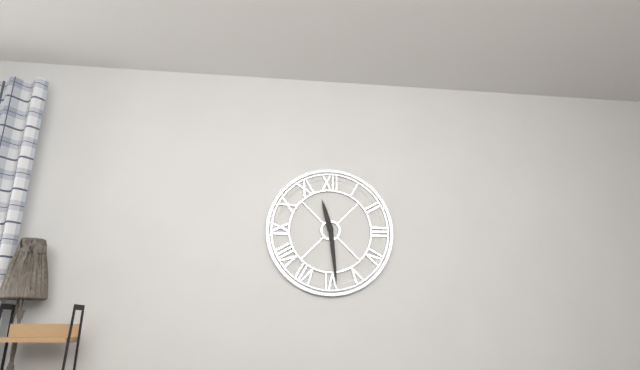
11:29
